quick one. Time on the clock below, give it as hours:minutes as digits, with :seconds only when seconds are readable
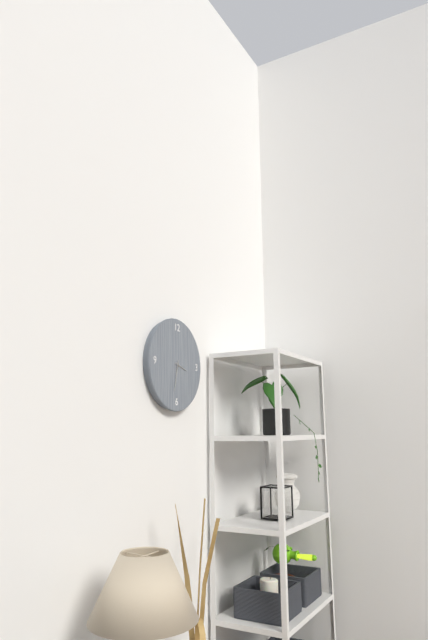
3:32
